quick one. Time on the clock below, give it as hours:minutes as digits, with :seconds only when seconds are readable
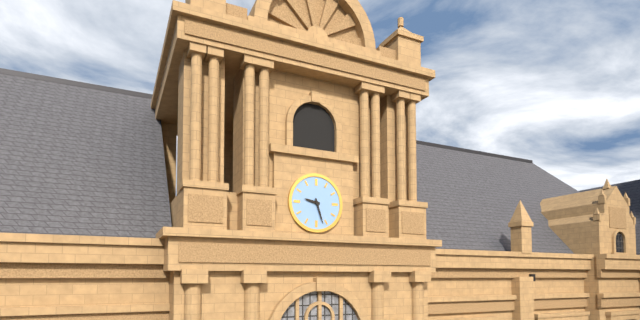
9:27
